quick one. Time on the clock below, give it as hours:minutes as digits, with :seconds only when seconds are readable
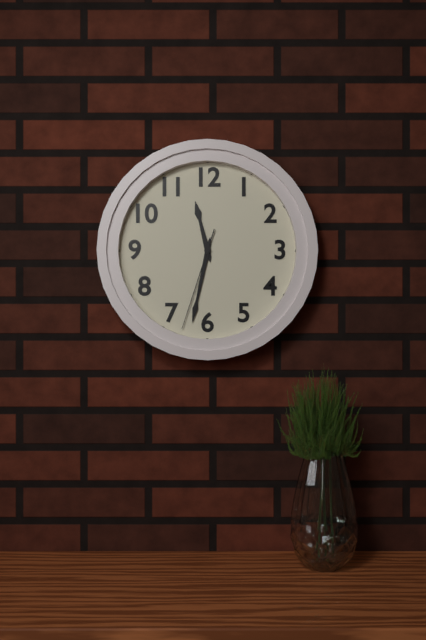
11:32:33
